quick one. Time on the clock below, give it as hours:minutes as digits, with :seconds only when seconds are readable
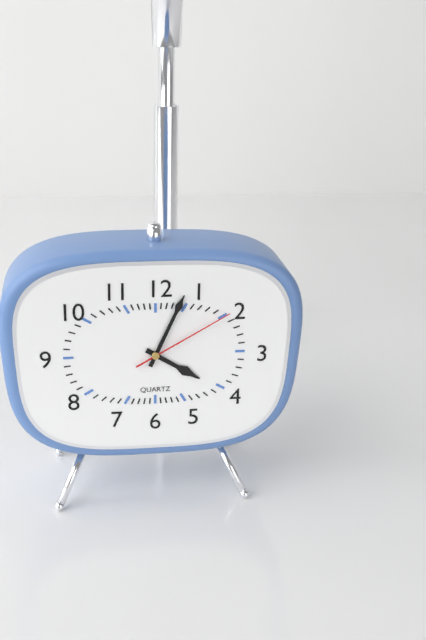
4:04:10
